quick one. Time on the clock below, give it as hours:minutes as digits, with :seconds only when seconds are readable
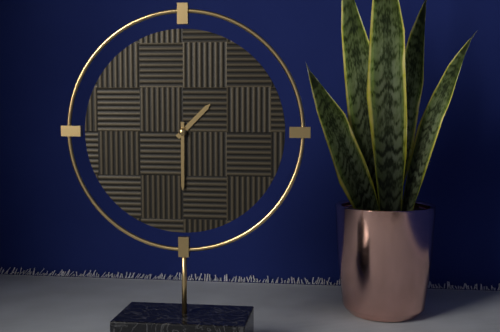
1:30
